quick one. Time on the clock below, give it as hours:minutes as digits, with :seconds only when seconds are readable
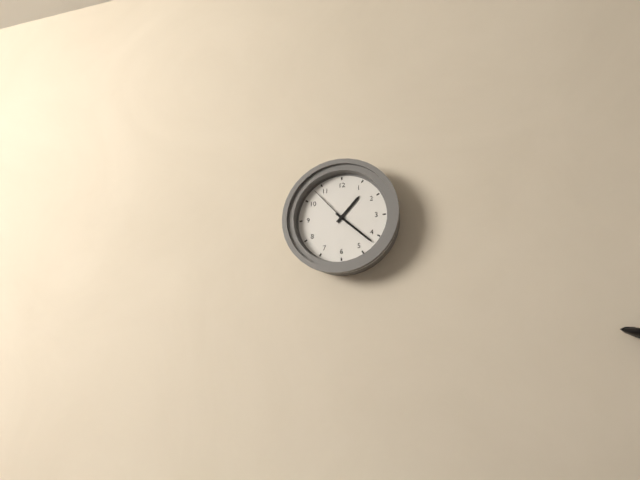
1:22:53
